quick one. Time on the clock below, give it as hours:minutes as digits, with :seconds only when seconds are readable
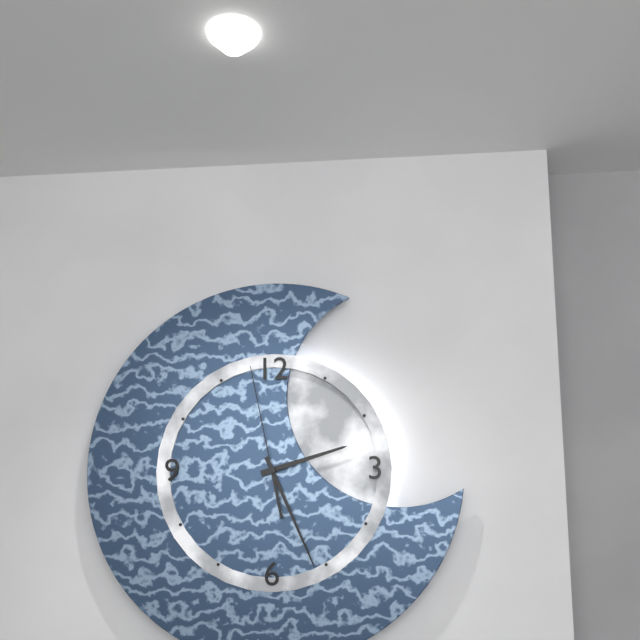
2:26:58
